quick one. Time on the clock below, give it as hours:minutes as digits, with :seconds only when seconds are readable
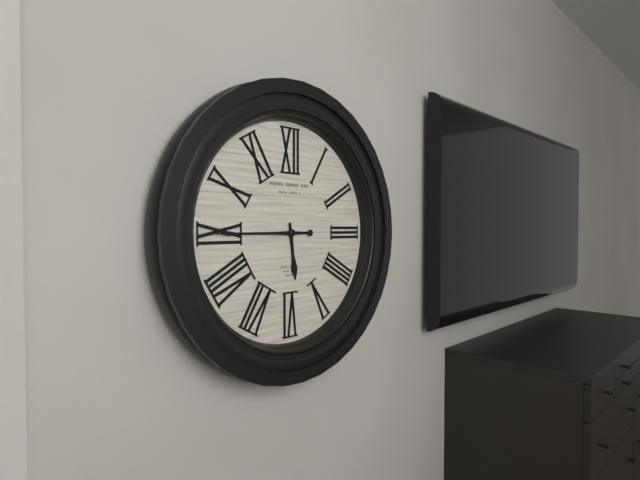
5:45
